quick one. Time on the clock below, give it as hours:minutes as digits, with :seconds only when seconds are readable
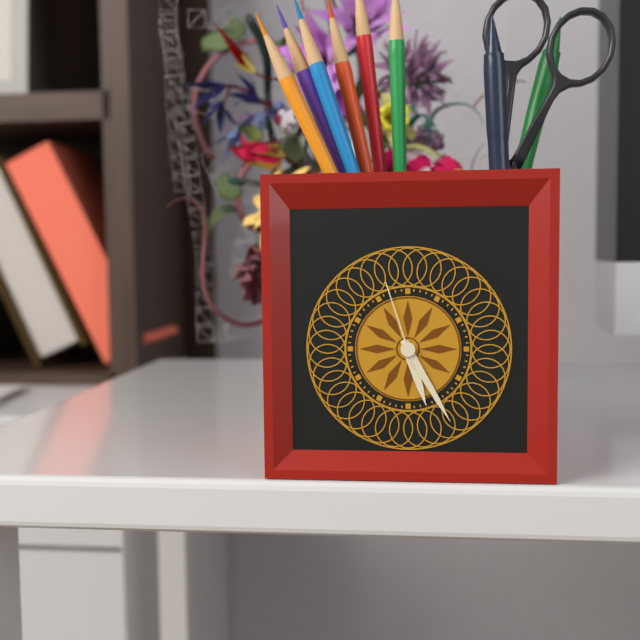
5:25:57
